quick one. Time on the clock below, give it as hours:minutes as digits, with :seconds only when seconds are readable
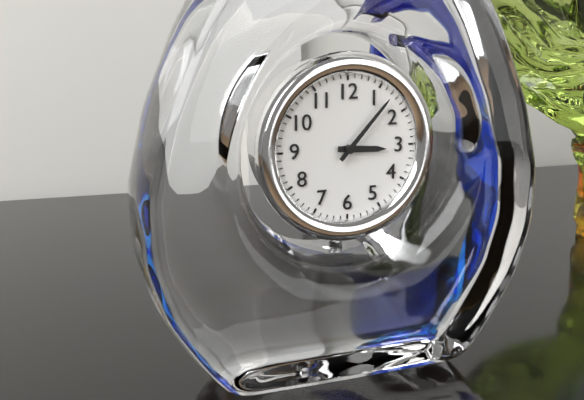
3:07
